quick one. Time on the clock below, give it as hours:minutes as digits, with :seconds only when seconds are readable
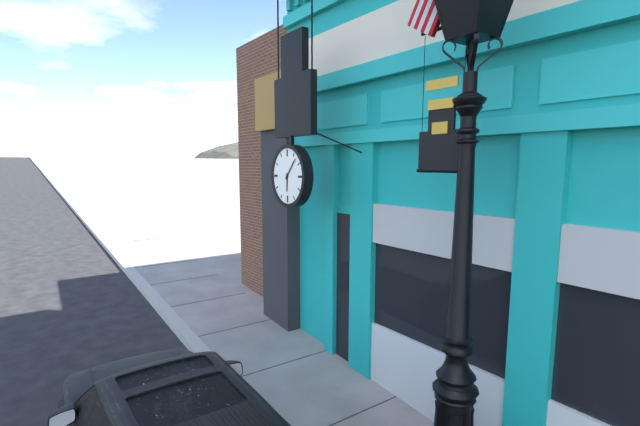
6:07
